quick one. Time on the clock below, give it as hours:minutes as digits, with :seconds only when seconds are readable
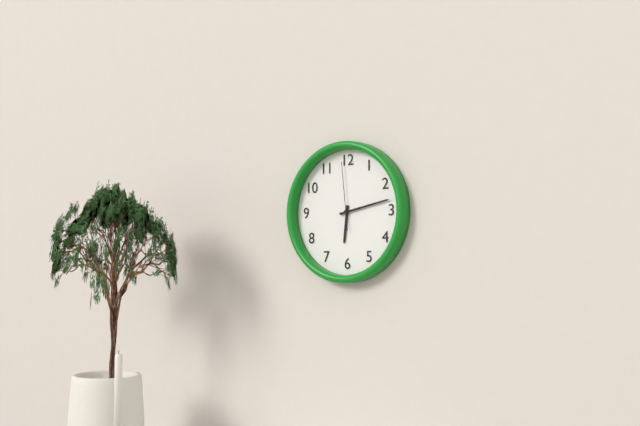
6:13:59
